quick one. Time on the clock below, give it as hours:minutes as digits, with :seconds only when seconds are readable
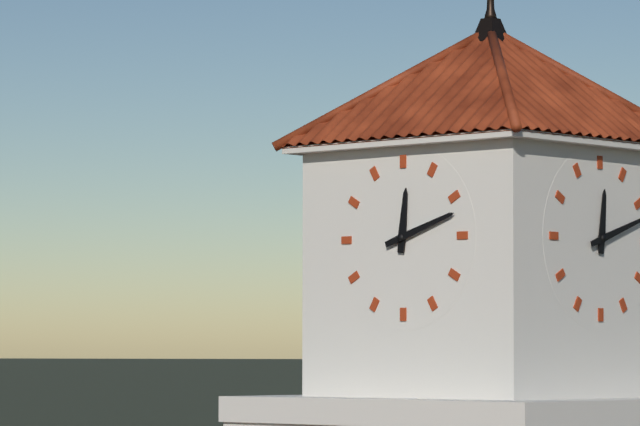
12:12
